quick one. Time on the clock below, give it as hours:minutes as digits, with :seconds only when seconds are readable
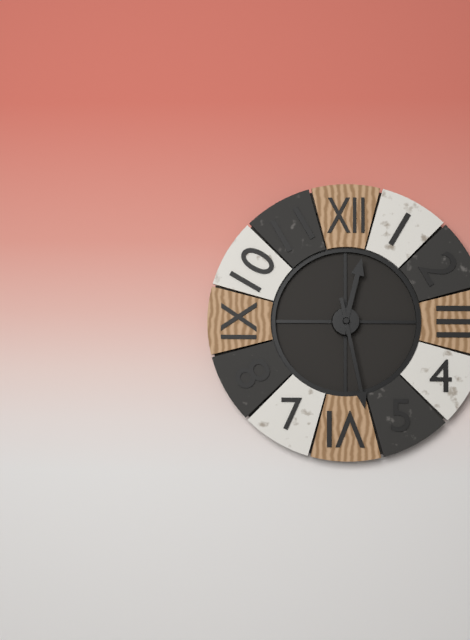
12:28
